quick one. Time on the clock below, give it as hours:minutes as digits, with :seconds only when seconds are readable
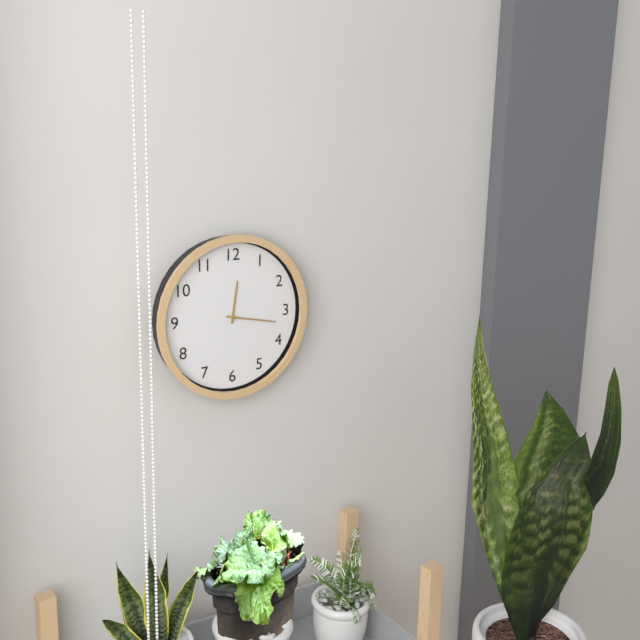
12:17
